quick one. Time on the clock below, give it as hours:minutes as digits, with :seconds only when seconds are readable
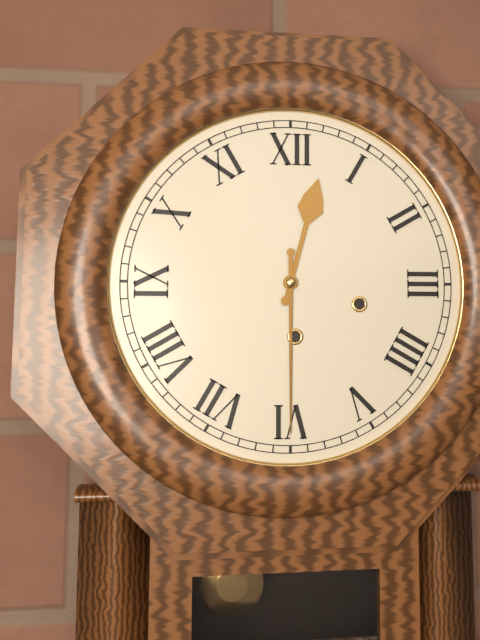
12:30
